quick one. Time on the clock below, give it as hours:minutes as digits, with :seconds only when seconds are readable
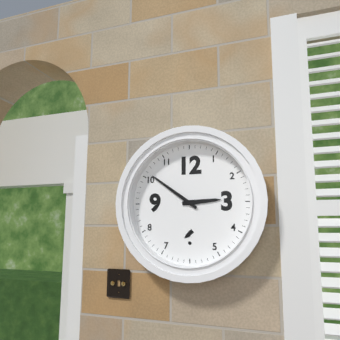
2:51
